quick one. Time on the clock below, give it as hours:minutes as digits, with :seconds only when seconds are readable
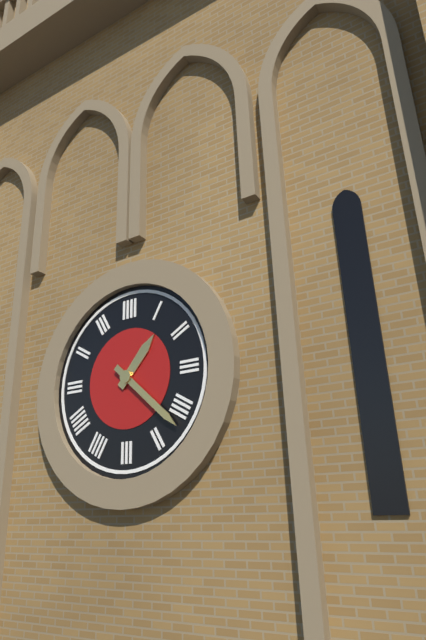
1:22
